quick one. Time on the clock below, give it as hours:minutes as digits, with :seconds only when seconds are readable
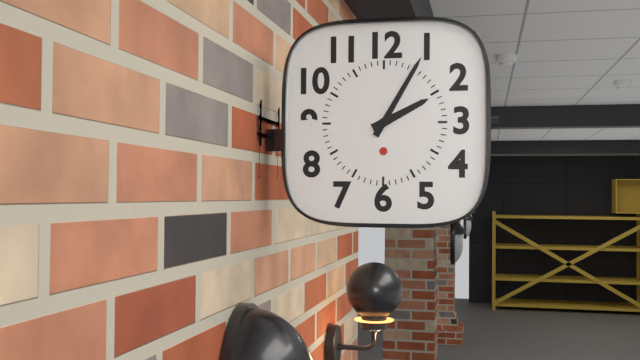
2:05
